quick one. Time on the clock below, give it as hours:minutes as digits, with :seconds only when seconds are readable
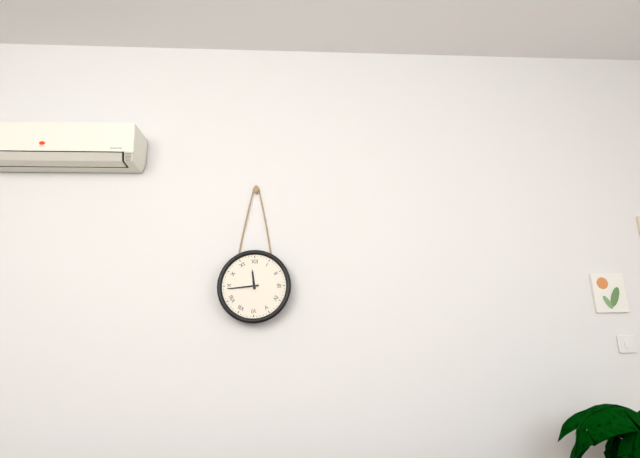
11:44
